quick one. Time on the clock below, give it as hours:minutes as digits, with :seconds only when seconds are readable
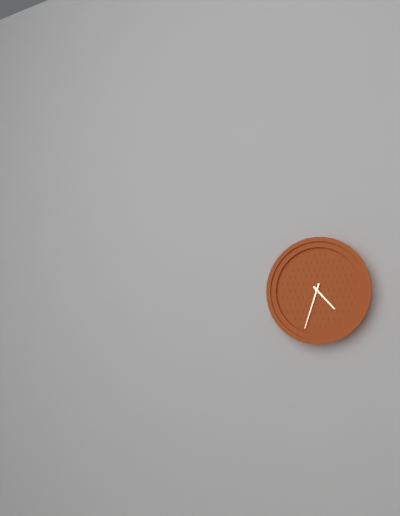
4:33
